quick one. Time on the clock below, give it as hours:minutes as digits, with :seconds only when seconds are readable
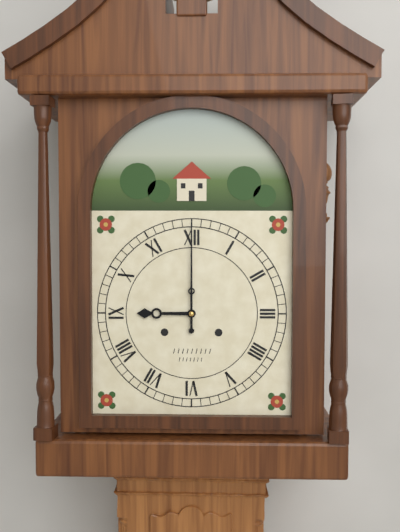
9:00
